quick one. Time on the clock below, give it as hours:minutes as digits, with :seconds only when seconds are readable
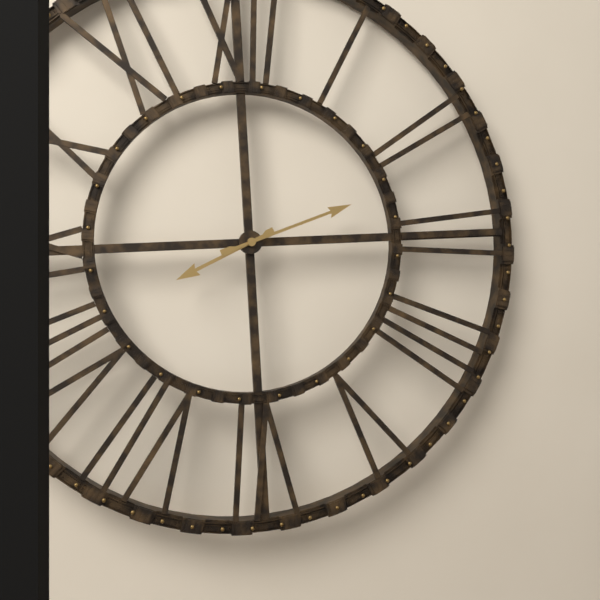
8:12
